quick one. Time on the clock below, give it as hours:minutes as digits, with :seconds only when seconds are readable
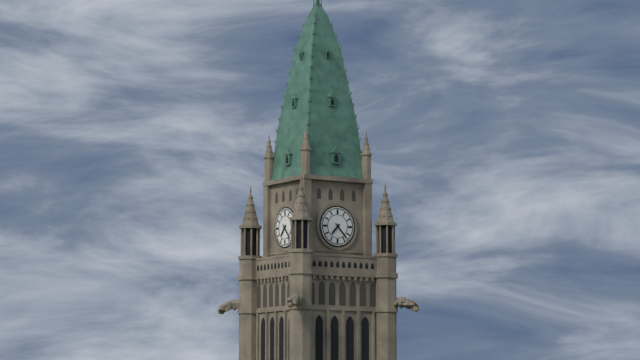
7:23
